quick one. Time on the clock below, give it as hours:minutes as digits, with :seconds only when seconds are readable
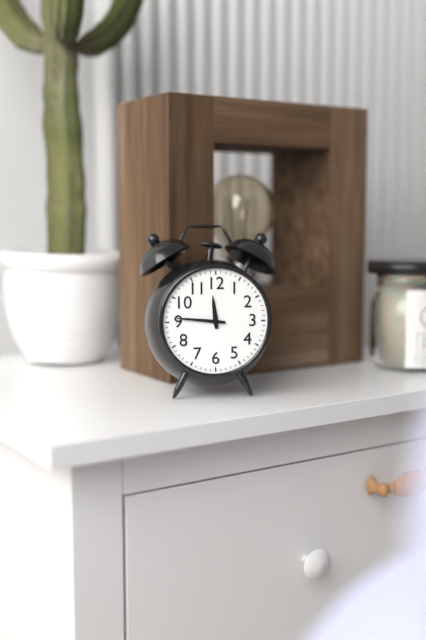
11:46
